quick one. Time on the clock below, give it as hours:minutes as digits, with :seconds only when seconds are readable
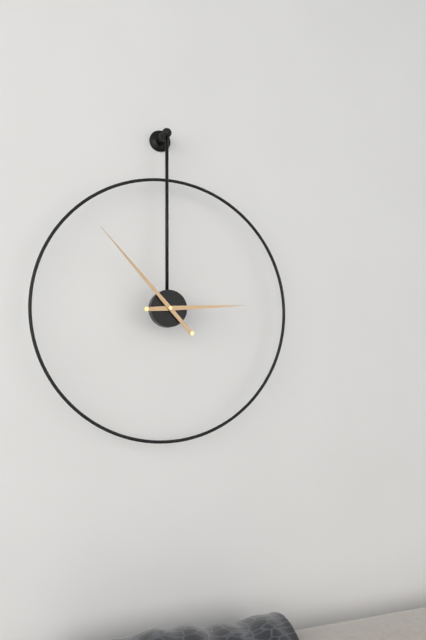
2:53
